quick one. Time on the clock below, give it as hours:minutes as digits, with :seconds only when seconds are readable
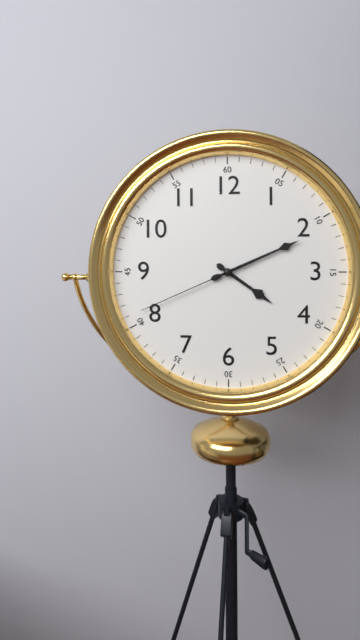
4:11:41
